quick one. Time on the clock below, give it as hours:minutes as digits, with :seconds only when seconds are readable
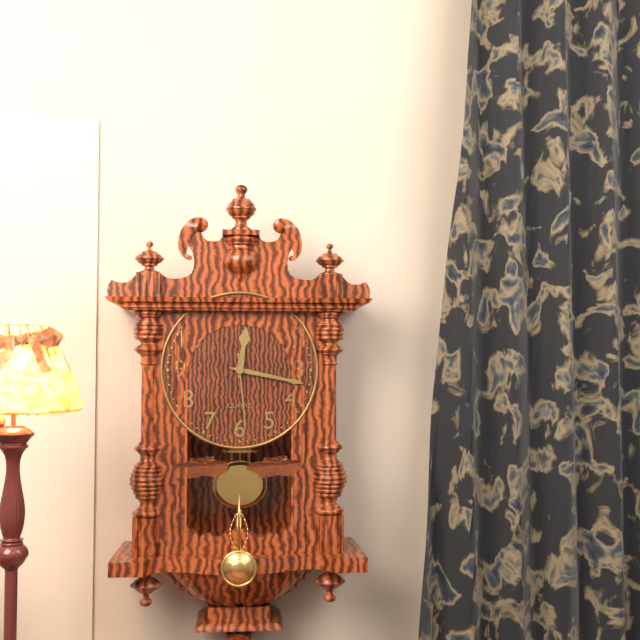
12:17:29
